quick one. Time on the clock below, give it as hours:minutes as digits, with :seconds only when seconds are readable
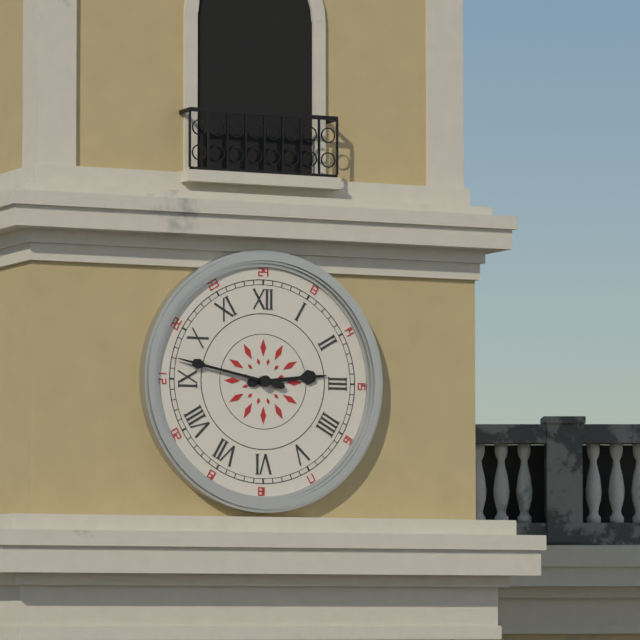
2:47
